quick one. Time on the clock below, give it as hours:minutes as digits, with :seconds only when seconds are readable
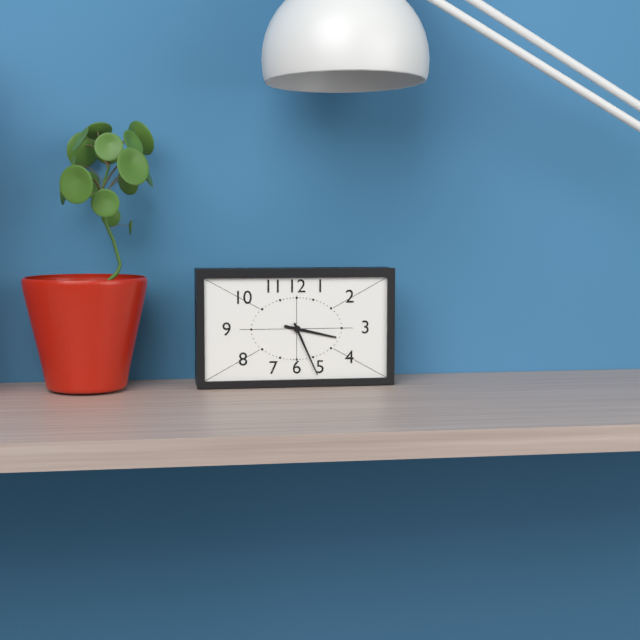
3:26
